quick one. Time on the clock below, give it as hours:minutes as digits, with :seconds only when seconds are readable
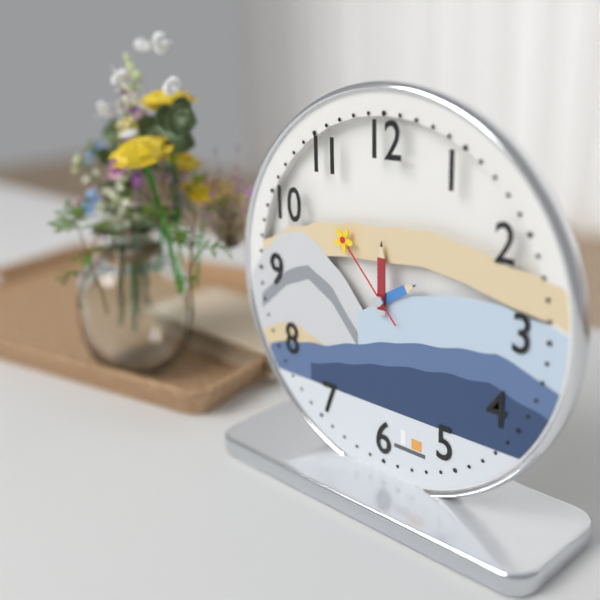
2:00:53
